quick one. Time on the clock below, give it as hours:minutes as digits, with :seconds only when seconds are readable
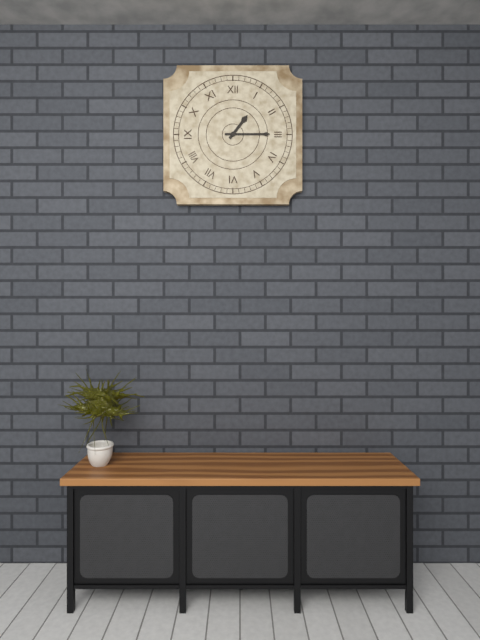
1:15
